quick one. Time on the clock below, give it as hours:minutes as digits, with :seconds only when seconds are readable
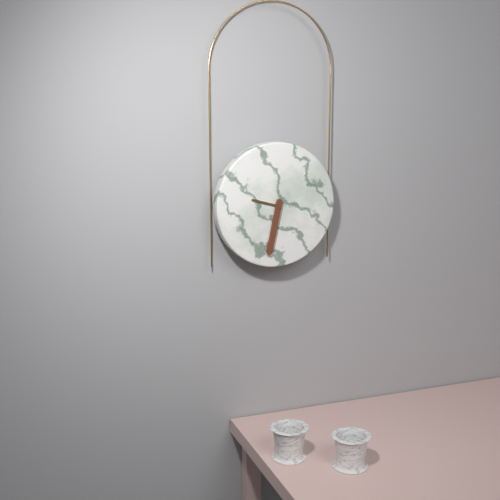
9:32
